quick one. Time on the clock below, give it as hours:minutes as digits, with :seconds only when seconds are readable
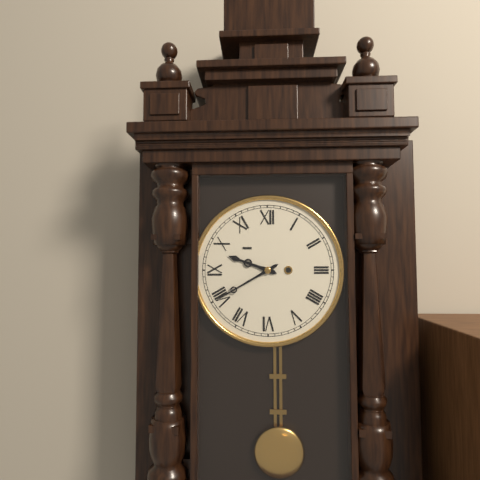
9:40
